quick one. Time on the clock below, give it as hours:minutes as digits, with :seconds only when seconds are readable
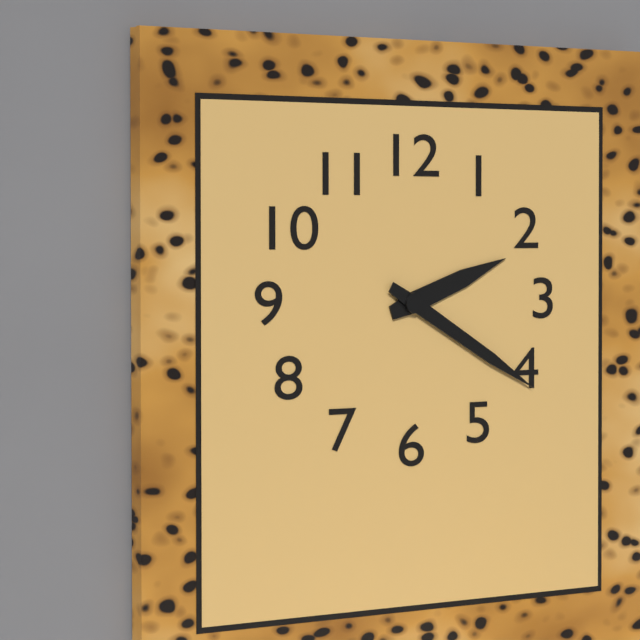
2:20
